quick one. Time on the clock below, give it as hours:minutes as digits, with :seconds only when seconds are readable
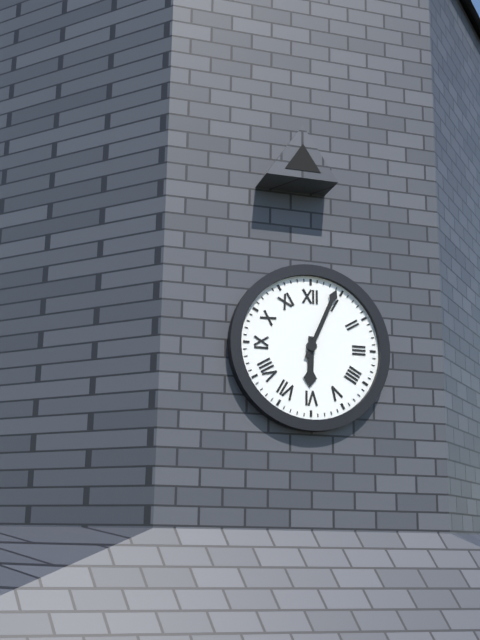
6:04
